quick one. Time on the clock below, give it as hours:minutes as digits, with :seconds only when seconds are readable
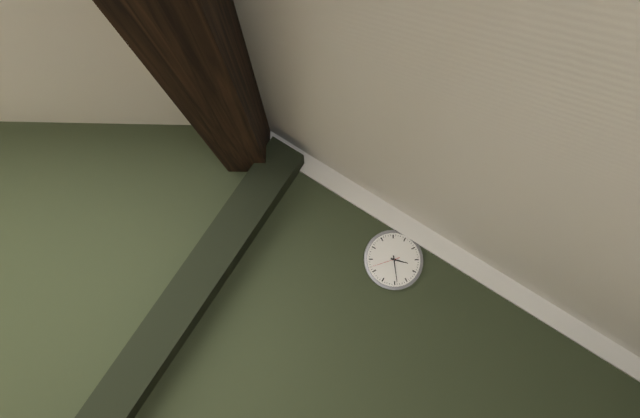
3:29
